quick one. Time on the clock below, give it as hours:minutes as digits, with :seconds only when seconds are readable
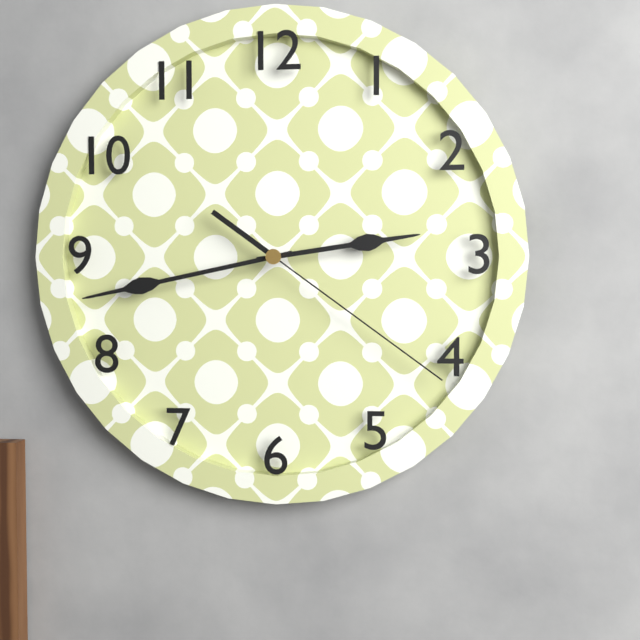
2:43:21
